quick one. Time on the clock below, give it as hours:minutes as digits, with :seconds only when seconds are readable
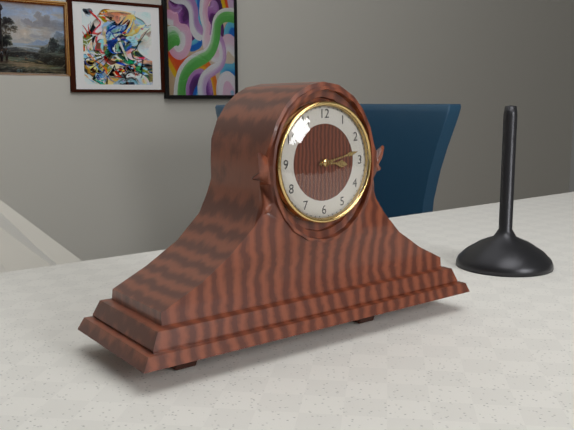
3:13
